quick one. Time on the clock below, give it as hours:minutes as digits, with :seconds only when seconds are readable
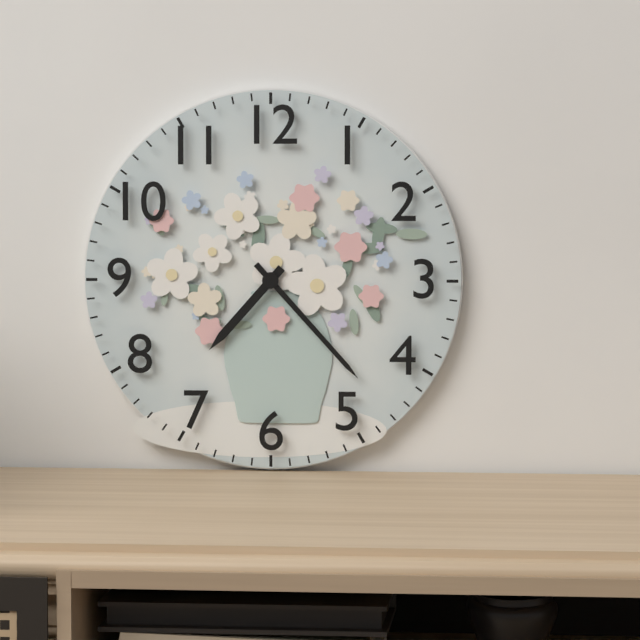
7:23
